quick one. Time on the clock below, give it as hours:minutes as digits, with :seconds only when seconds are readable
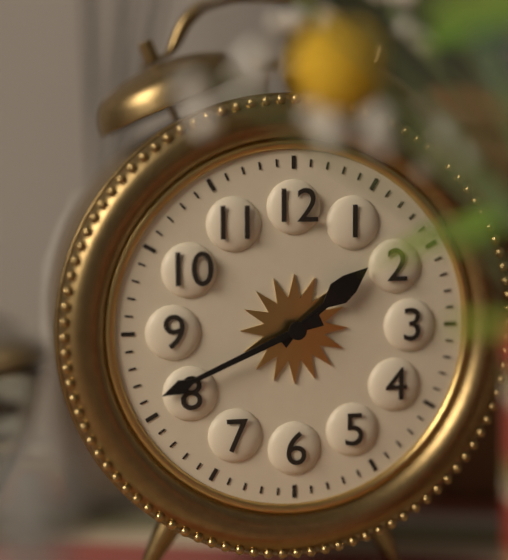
1:41
